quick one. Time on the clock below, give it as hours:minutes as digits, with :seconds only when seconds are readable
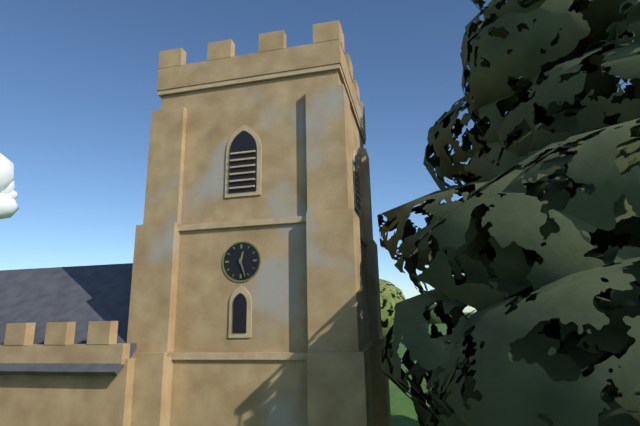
12:27
